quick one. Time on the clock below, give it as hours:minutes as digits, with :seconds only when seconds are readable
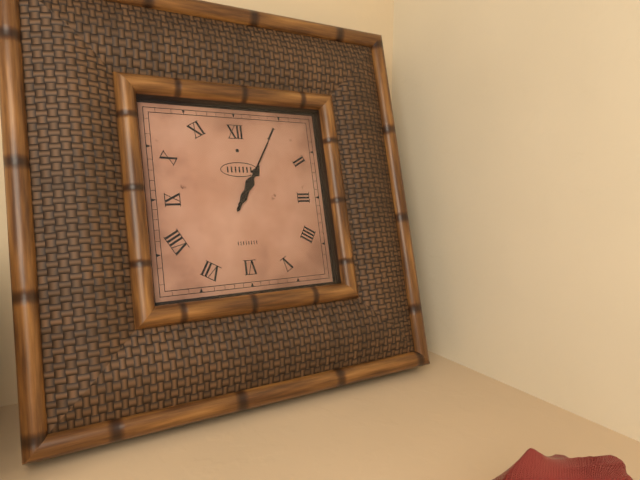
1:05
